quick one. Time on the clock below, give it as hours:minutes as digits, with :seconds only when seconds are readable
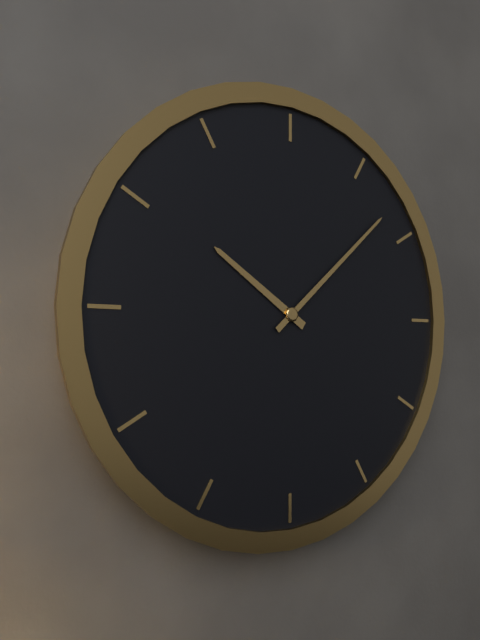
10:08
